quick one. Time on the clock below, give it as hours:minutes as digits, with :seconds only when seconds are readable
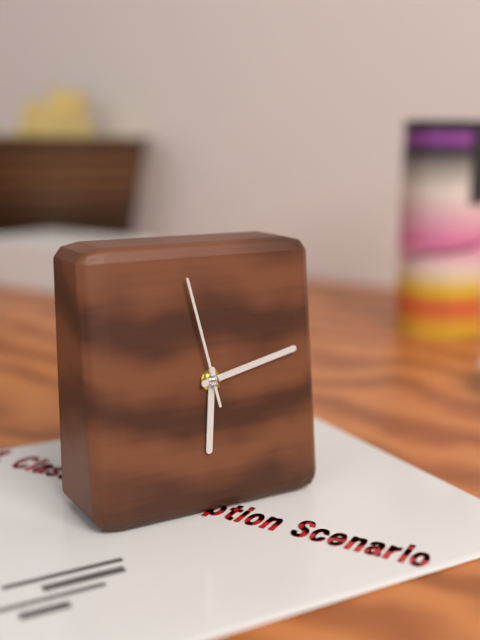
6:13:58
